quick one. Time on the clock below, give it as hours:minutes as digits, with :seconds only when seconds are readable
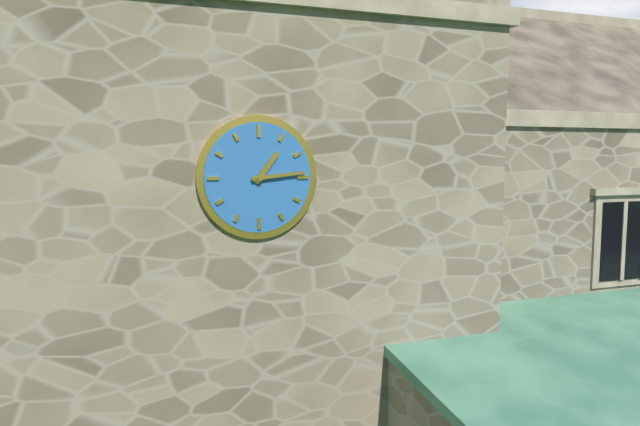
1:14
